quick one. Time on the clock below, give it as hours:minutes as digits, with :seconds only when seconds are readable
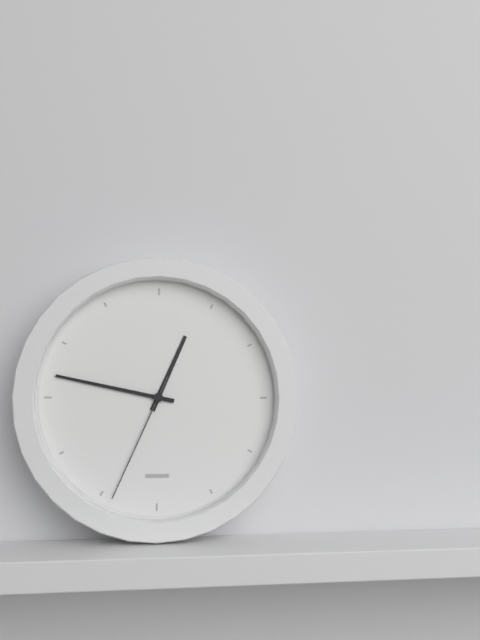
12:47:34
